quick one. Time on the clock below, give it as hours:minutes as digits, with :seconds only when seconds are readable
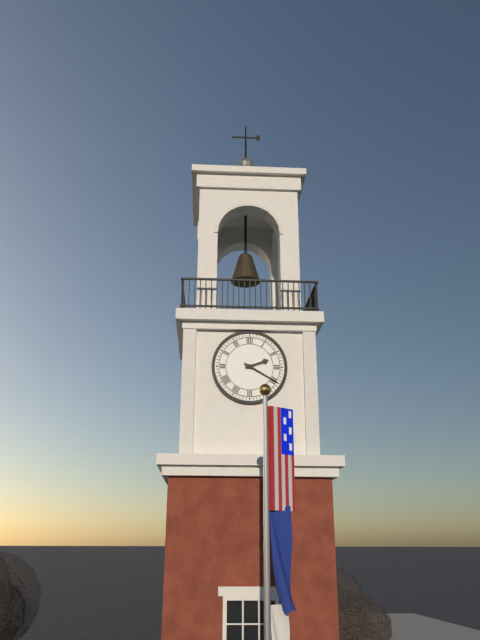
2:20
